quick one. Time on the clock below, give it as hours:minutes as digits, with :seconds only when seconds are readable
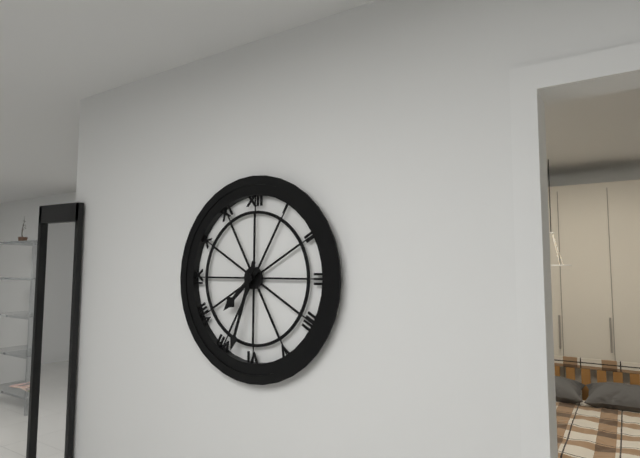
7:33
